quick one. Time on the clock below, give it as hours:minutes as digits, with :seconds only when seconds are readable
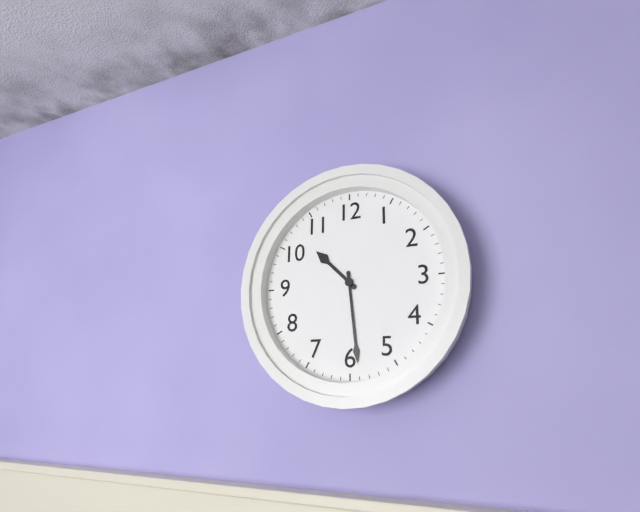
10:29
